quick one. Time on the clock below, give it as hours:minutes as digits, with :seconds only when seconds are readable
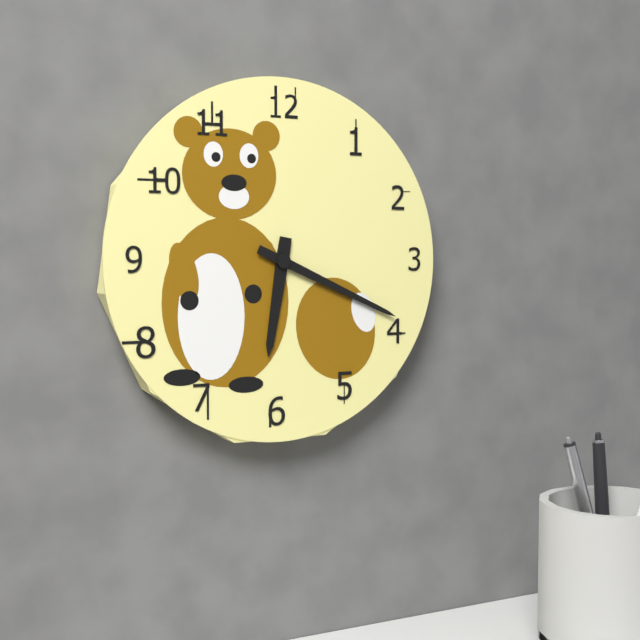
6:19
